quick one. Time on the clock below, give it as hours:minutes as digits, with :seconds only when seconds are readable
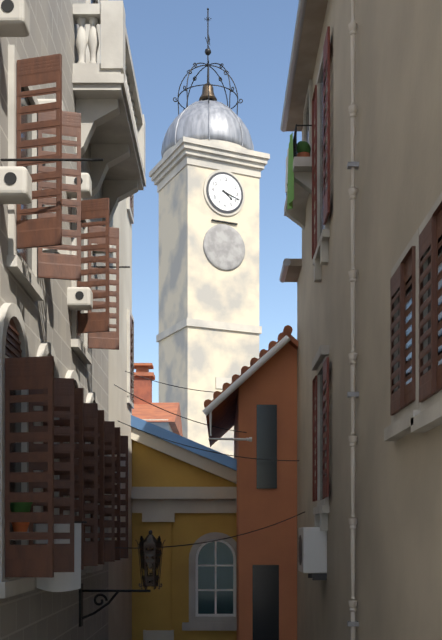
4:18
